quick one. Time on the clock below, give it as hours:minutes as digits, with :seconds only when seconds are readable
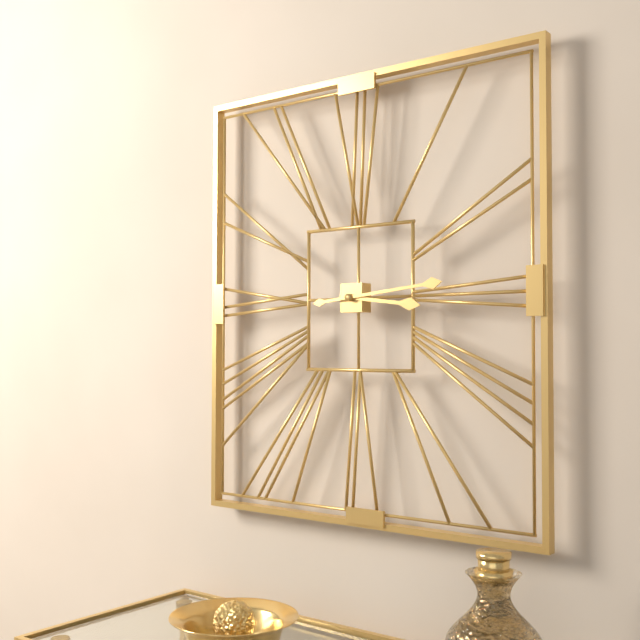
3:14
